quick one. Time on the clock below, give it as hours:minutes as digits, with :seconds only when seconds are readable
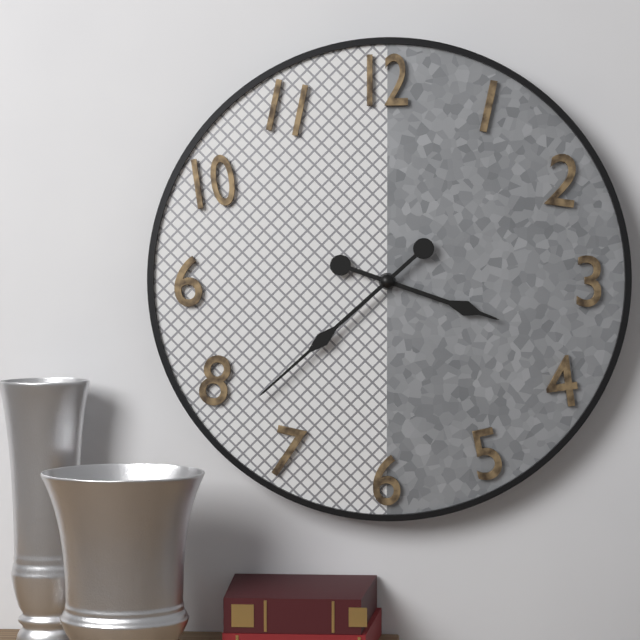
3:38
